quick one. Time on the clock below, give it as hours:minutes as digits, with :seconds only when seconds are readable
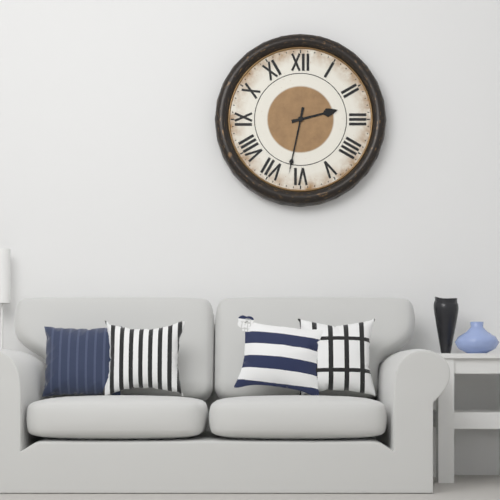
2:32
